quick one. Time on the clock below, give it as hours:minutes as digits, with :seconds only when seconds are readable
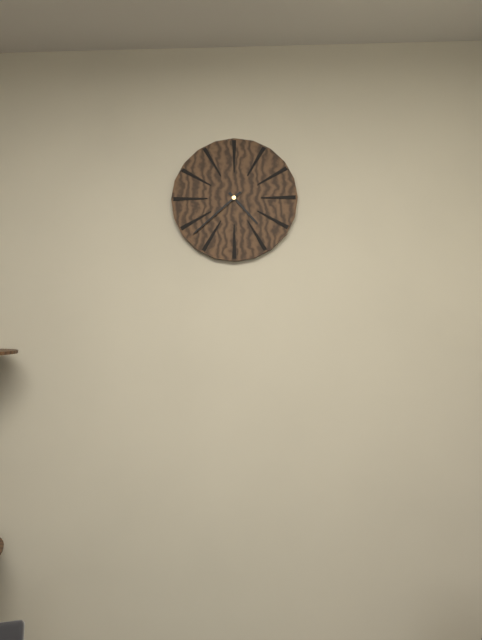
4:38
